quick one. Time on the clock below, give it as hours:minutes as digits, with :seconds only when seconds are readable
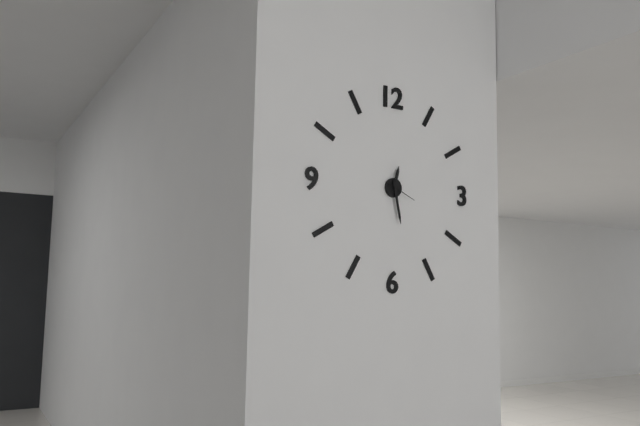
12:28
